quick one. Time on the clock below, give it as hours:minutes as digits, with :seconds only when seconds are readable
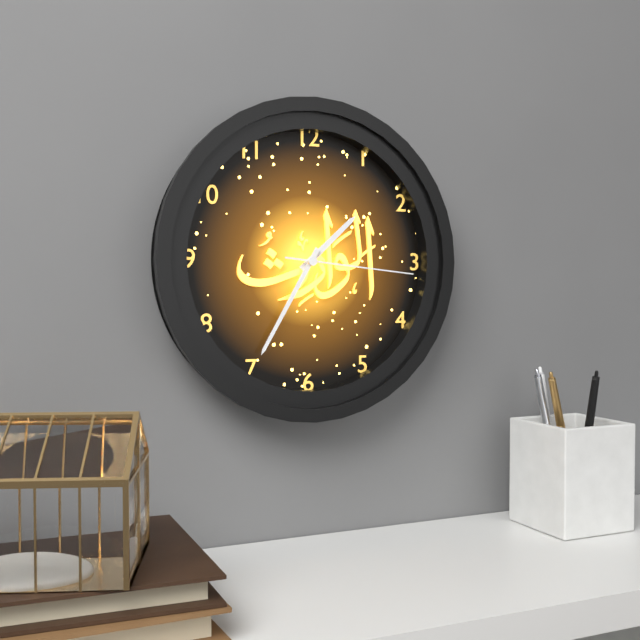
1:35:16
